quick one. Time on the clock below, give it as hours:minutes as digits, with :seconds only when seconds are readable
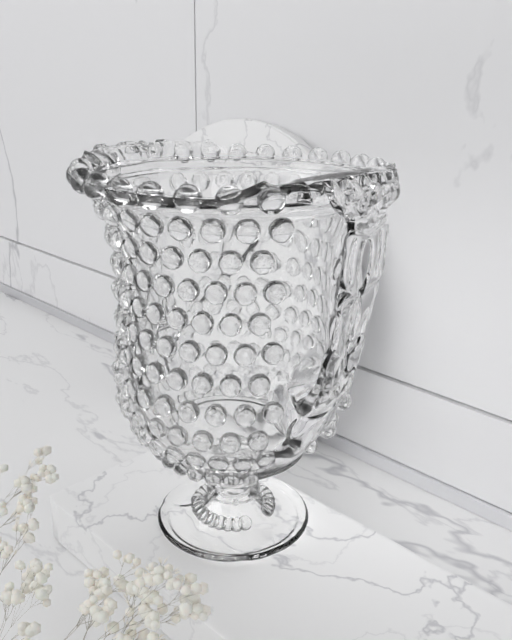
1:37:58
